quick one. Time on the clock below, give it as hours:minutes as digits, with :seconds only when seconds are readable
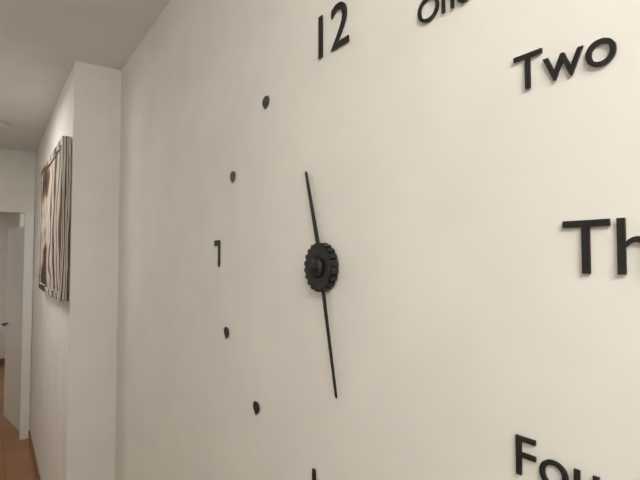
11:28
